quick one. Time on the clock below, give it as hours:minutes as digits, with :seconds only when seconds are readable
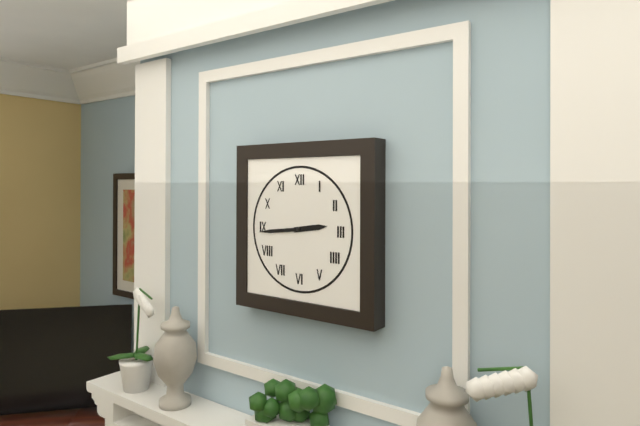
2:44
